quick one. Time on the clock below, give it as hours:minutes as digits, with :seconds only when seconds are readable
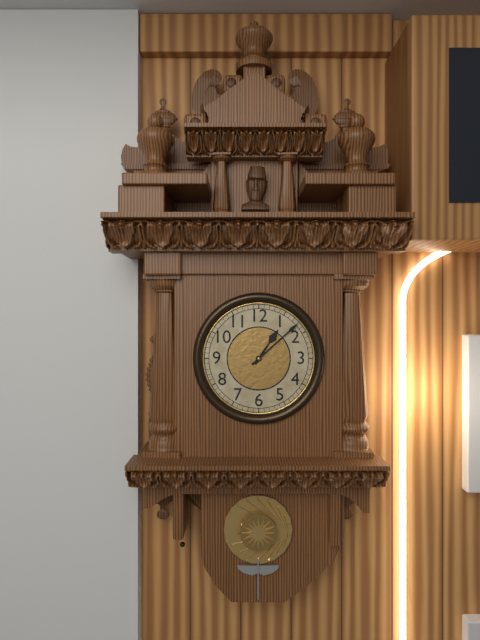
1:08
